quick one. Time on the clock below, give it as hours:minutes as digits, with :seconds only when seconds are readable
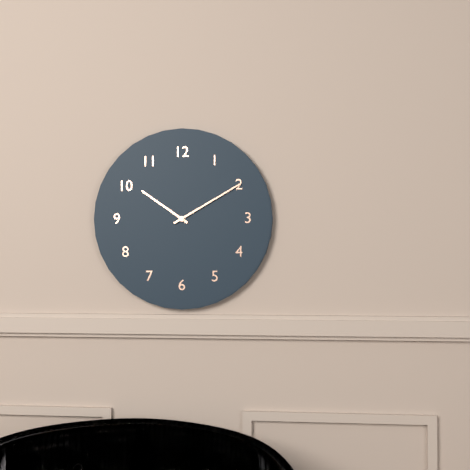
10:10
